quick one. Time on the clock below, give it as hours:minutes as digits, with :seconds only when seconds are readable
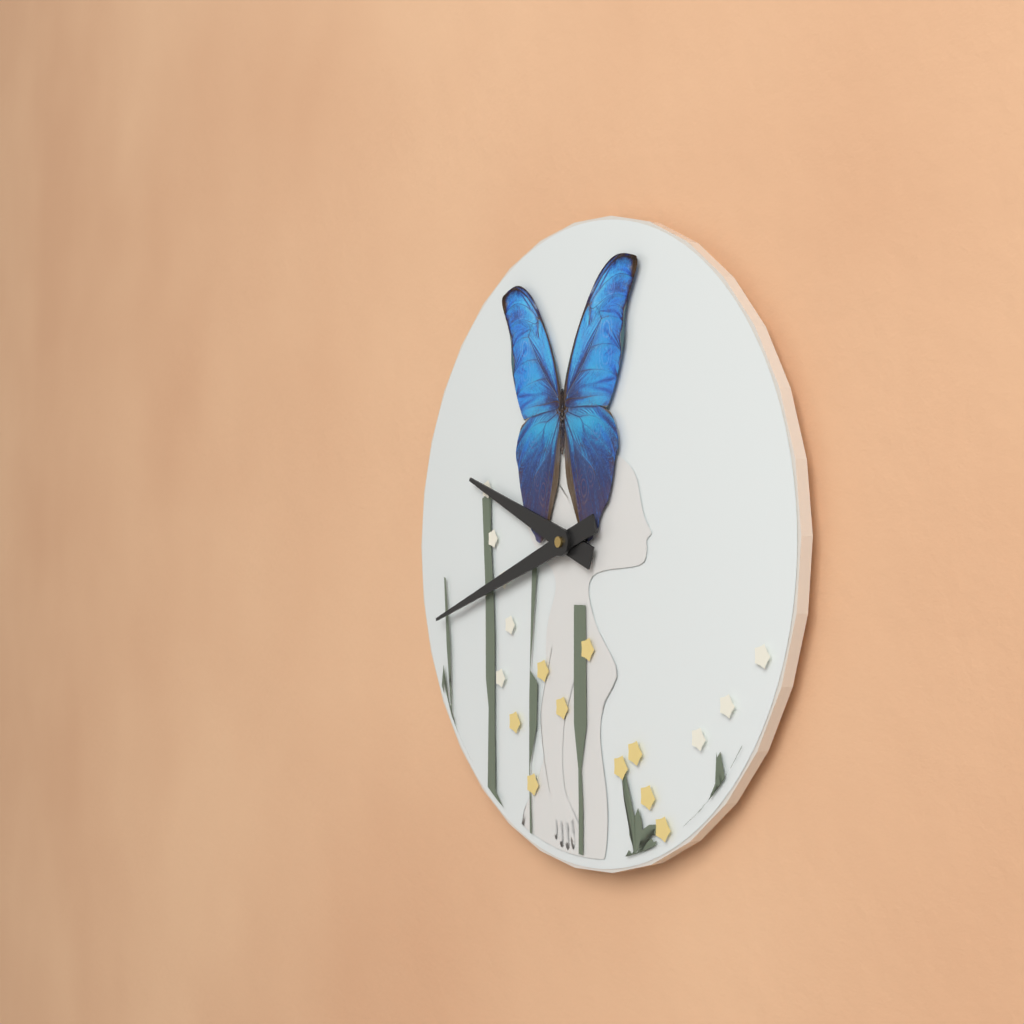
9:42
